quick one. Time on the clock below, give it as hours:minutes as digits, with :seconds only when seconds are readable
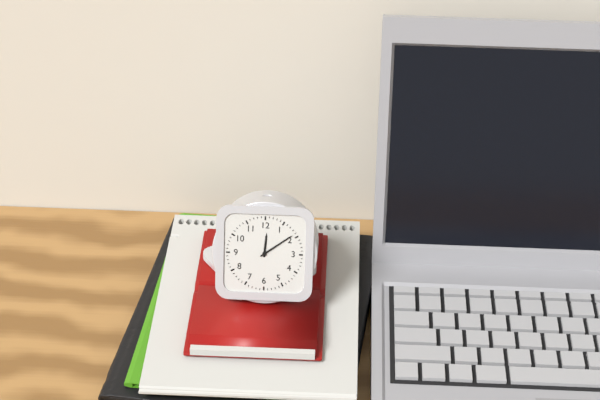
12:09
